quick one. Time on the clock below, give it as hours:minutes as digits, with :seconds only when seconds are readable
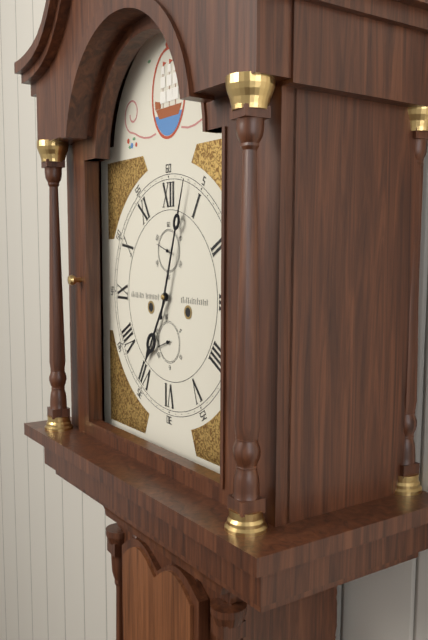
7:03
